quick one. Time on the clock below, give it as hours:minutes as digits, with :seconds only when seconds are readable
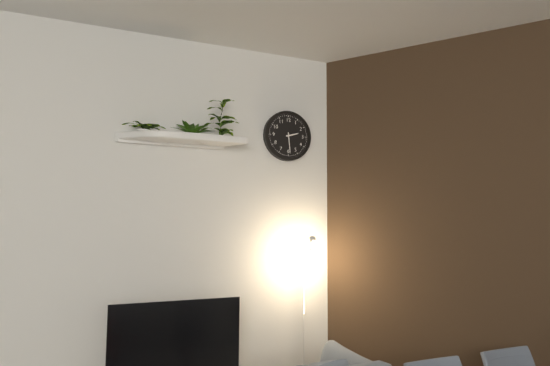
2:29
